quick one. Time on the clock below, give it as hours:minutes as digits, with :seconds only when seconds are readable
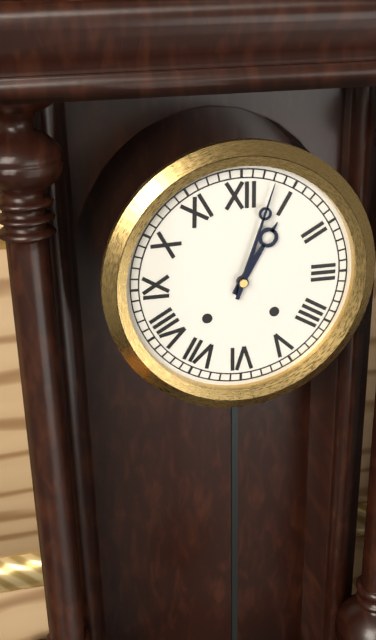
1:03
